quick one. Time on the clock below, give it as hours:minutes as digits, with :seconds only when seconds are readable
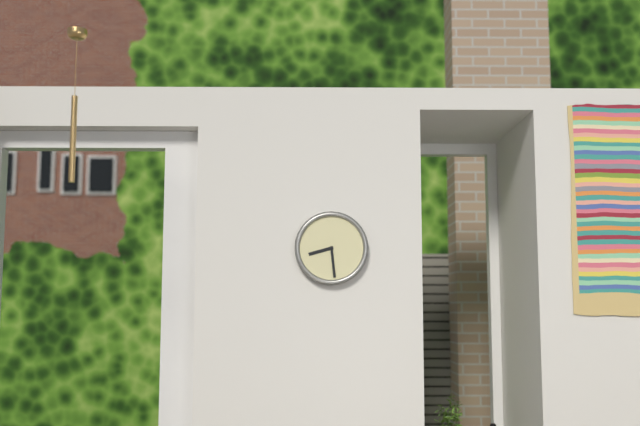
8:29
